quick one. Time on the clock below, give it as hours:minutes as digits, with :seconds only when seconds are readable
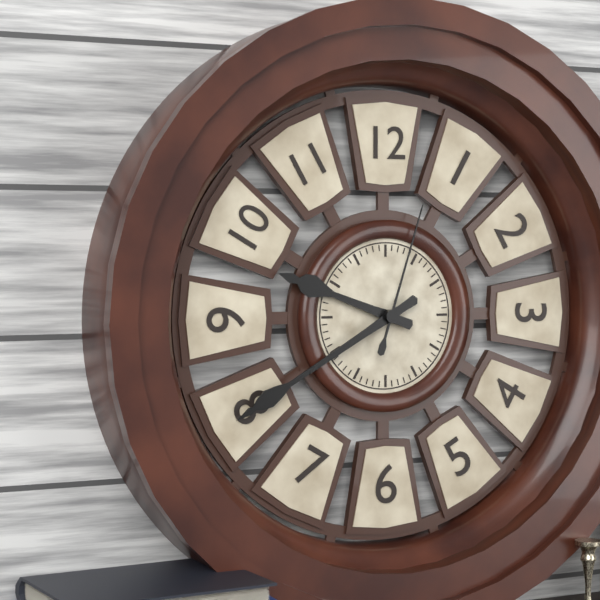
9:40:03
